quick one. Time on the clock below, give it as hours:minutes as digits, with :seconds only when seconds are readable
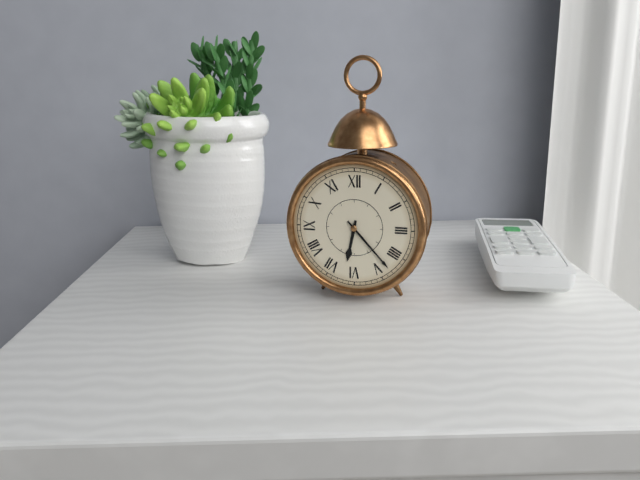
6:23
